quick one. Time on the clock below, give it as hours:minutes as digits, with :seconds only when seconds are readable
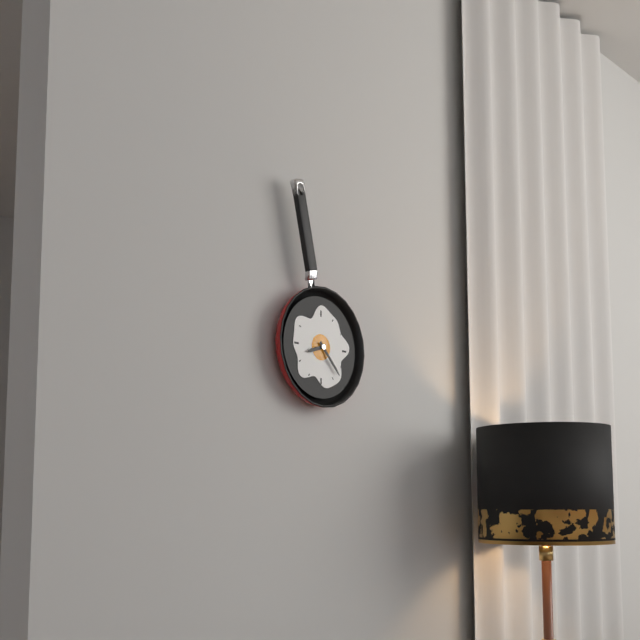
8:23
